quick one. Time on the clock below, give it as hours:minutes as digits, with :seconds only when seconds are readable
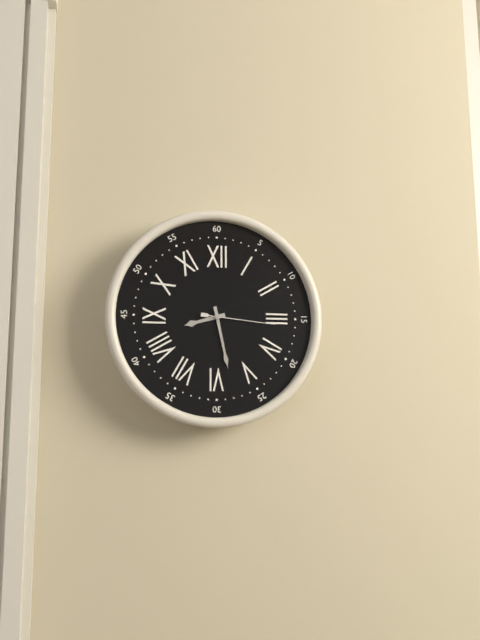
8:28:16
